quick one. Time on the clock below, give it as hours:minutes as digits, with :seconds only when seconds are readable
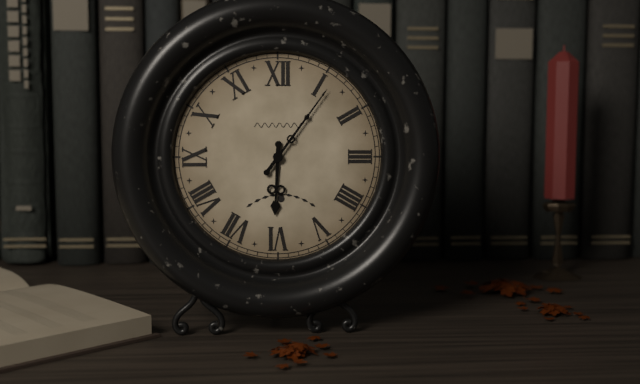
6:06
